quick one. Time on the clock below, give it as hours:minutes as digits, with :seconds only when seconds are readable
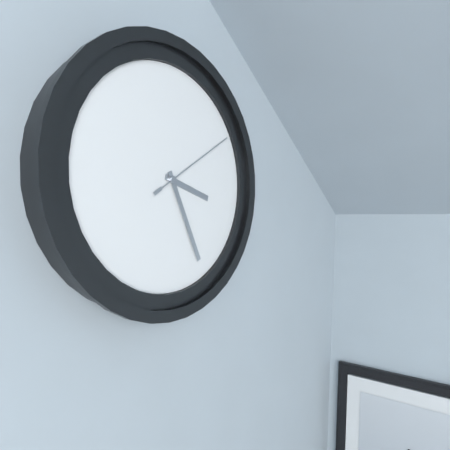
3:25:09
